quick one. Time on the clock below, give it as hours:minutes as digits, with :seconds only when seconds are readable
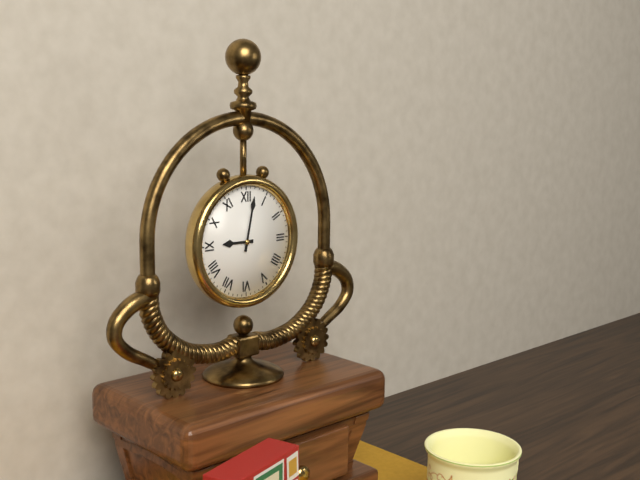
9:02
